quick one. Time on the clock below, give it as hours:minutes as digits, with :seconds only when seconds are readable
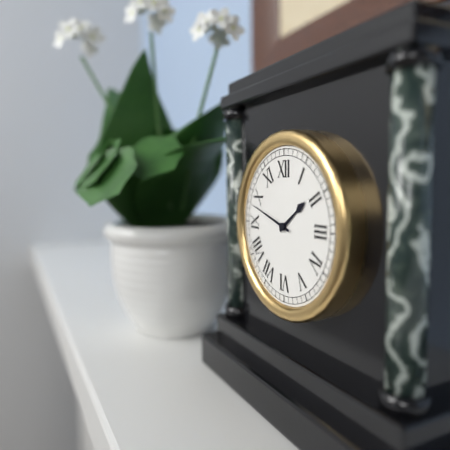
1:48
